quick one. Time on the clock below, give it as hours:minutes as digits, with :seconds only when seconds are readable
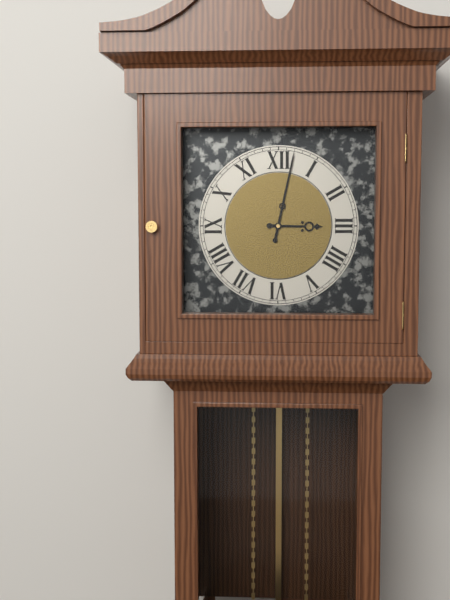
3:02
